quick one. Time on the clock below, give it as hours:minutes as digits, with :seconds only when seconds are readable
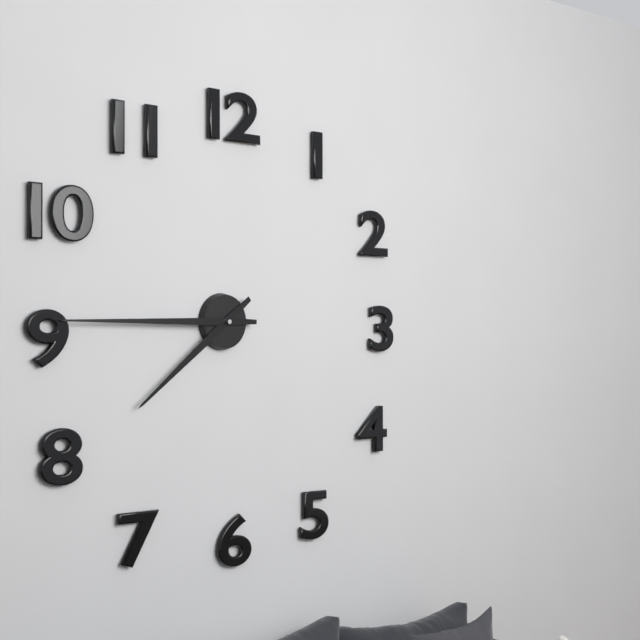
7:45
